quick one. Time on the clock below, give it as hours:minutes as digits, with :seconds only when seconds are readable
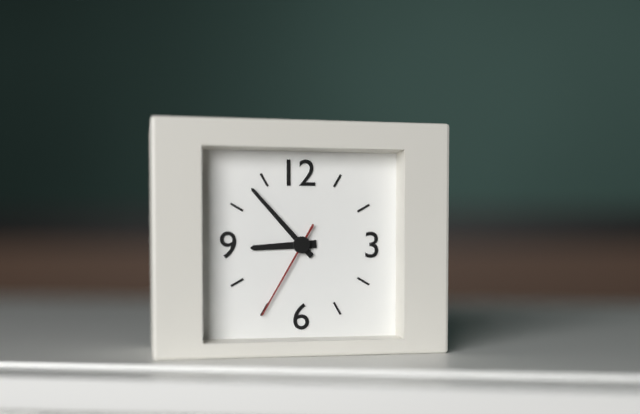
8:53:35
